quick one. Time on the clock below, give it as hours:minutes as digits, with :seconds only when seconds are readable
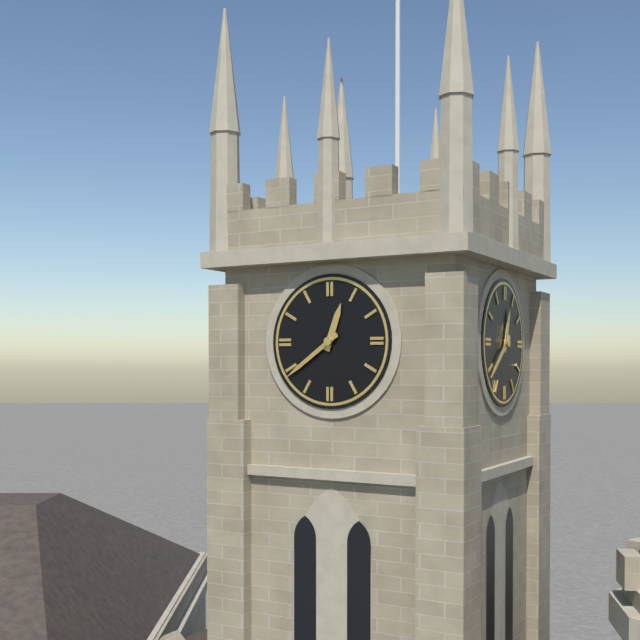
12:39
